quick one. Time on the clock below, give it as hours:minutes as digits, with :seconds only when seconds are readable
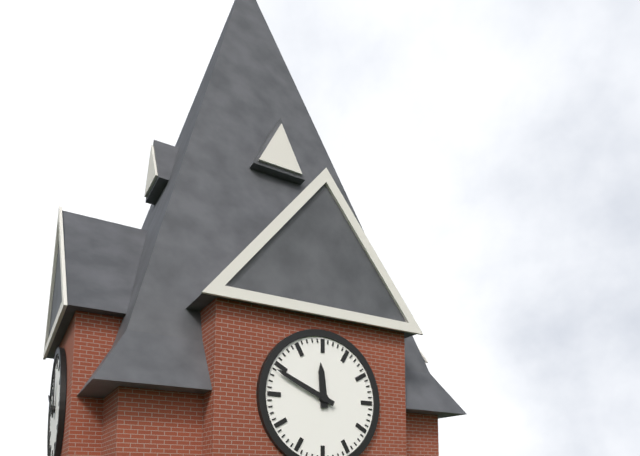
11:49
